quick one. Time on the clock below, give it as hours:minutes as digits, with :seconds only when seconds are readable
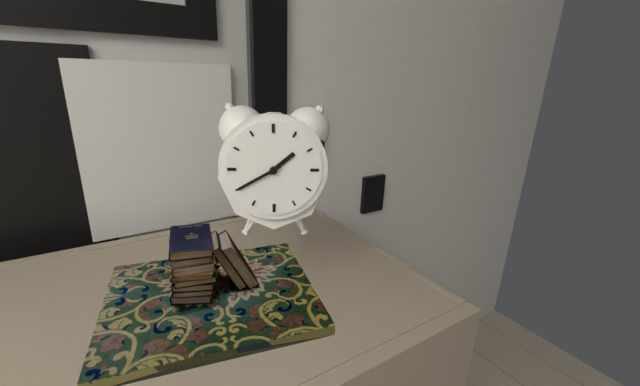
1:40
